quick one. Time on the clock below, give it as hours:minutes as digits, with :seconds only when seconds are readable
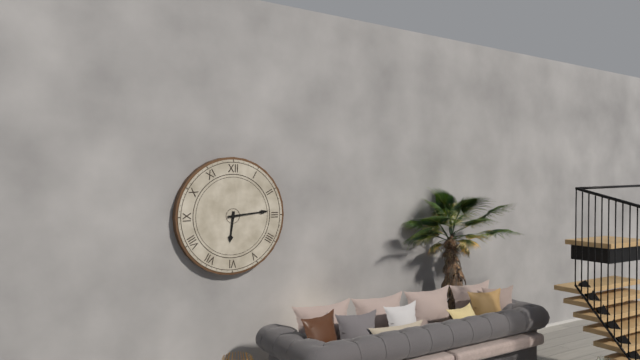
6:14
